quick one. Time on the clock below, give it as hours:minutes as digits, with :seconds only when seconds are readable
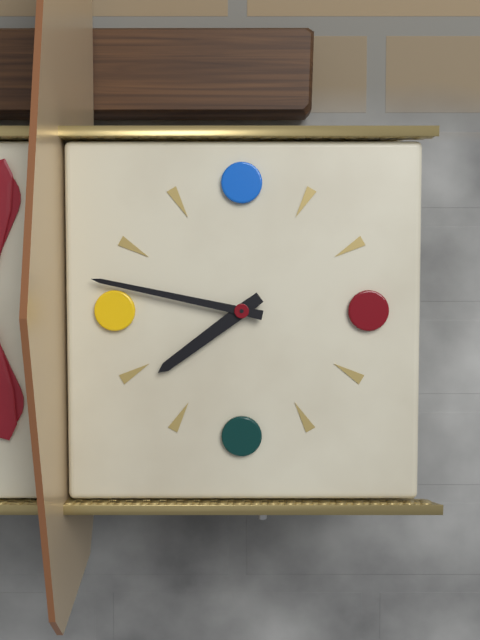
7:47
